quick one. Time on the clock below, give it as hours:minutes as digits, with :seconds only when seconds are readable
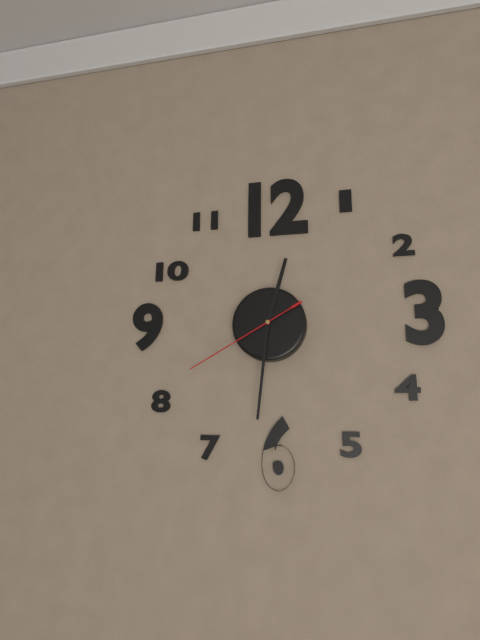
12:31:40
